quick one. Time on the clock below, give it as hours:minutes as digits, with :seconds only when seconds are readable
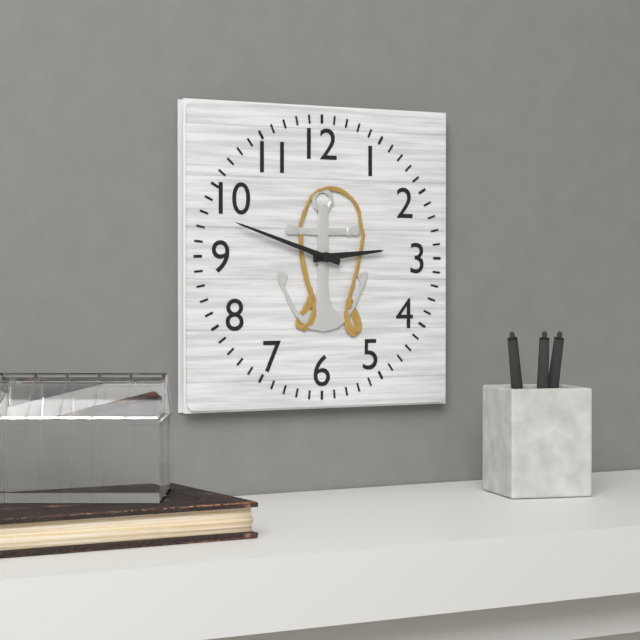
2:48
